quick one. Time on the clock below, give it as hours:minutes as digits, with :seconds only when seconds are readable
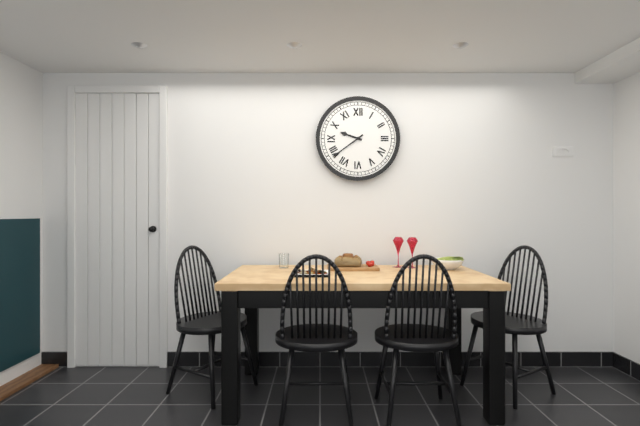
9:39
